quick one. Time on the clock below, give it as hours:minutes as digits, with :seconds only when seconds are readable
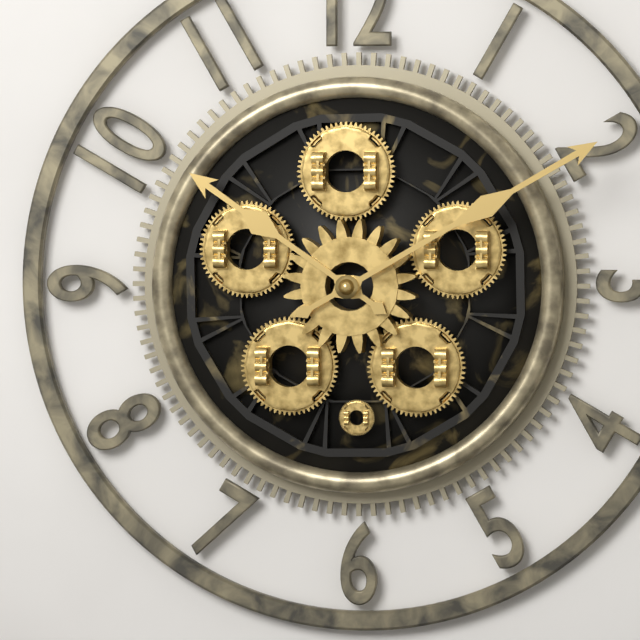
10:10
